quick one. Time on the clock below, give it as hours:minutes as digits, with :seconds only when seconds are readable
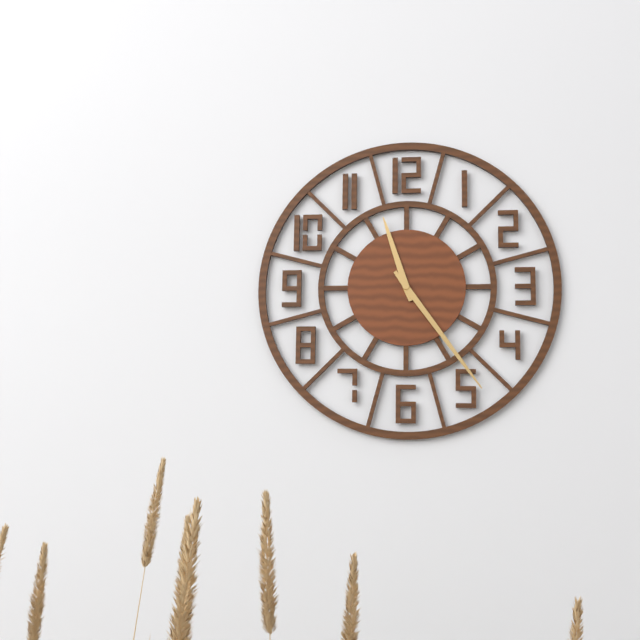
11:24
